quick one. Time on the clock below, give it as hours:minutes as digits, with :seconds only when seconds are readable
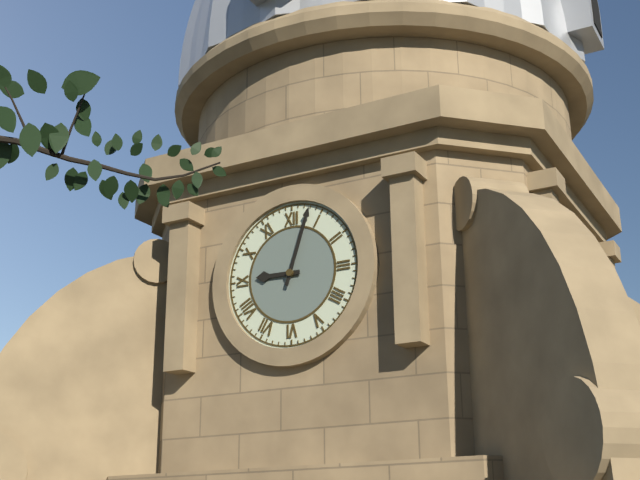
9:03
